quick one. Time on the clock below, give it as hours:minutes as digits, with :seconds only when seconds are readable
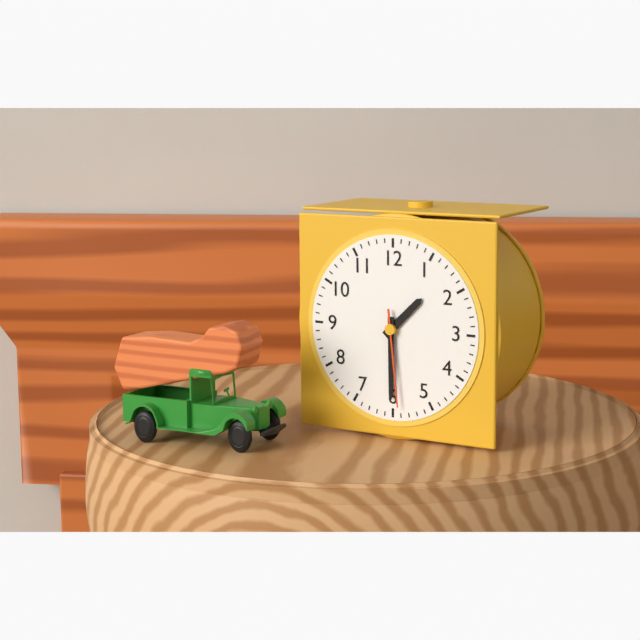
1:30:29
